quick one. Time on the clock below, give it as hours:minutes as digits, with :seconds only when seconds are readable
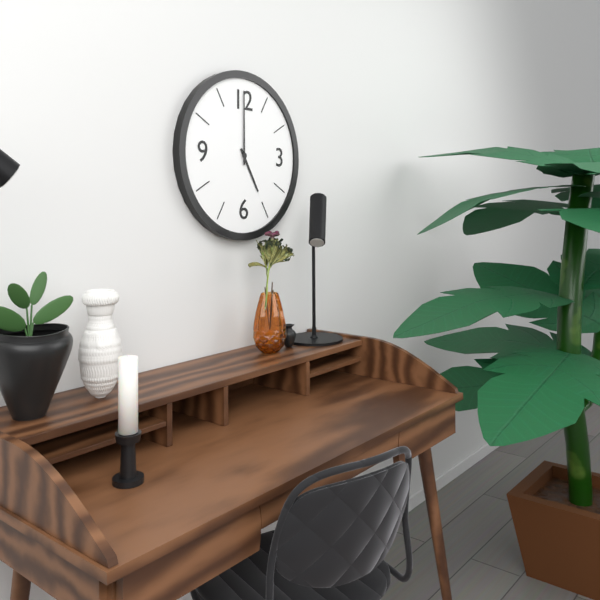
5:00
